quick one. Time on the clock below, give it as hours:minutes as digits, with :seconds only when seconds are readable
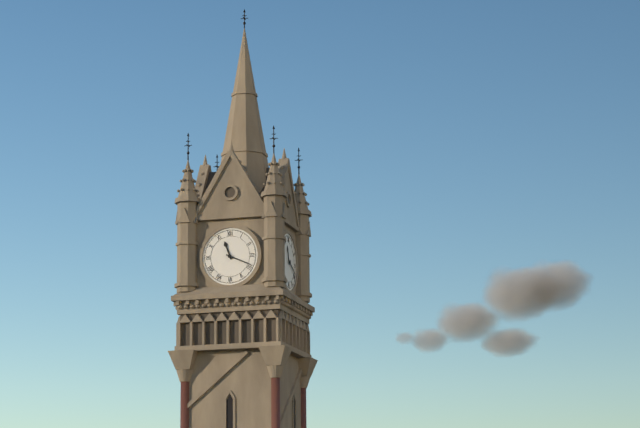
11:19
